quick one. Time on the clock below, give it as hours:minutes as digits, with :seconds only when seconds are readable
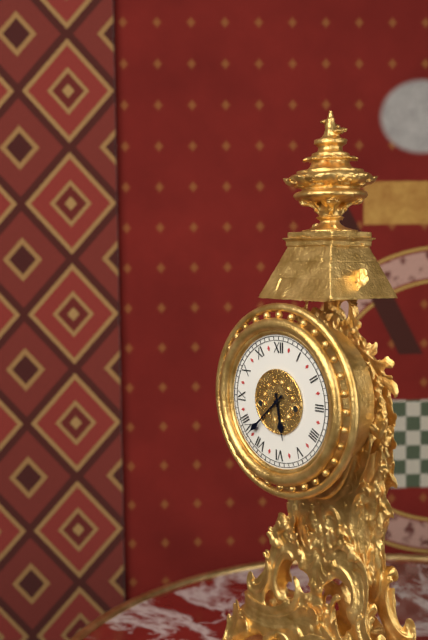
5:38
